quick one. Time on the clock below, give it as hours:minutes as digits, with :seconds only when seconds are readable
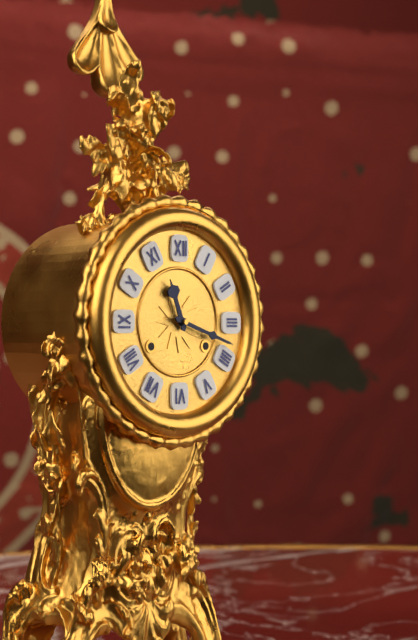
11:18
